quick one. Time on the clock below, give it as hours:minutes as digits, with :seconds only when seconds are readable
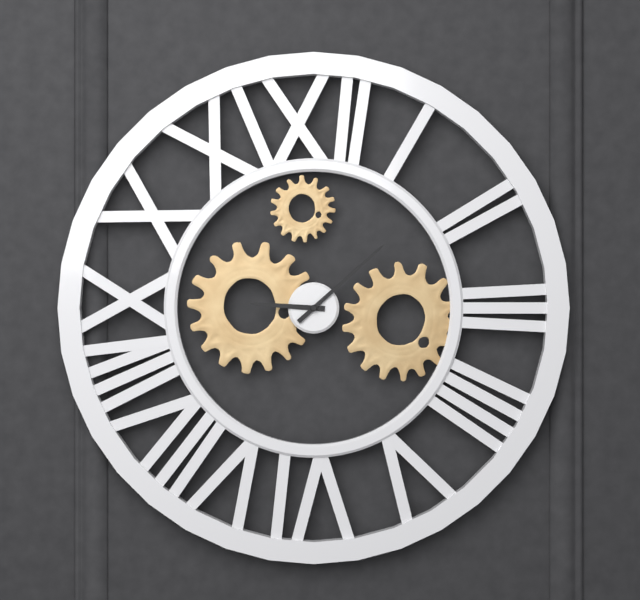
9:08
